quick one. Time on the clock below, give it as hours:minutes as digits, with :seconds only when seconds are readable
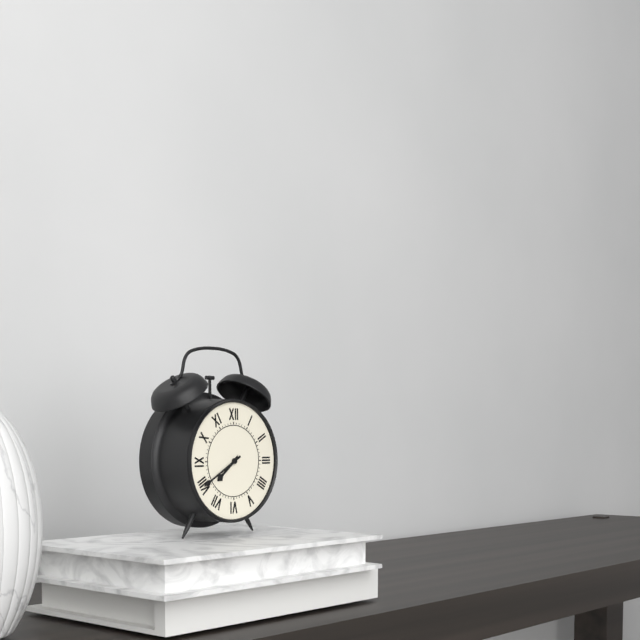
7:40
